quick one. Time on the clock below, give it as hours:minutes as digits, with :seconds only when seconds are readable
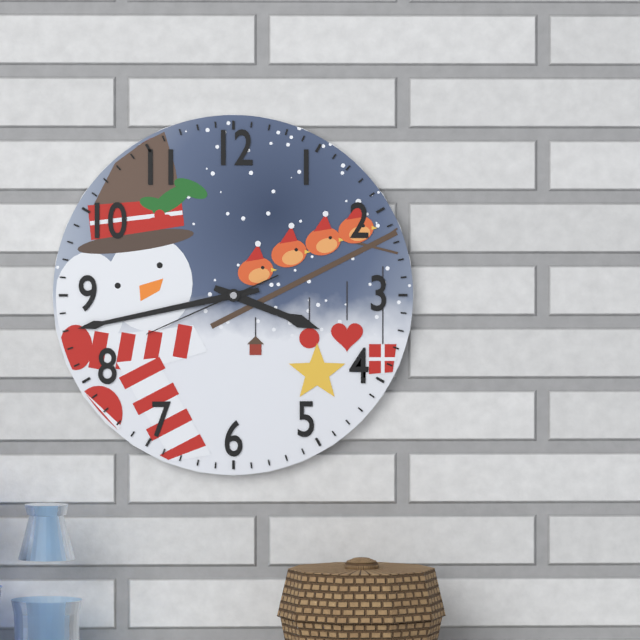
3:43:41
